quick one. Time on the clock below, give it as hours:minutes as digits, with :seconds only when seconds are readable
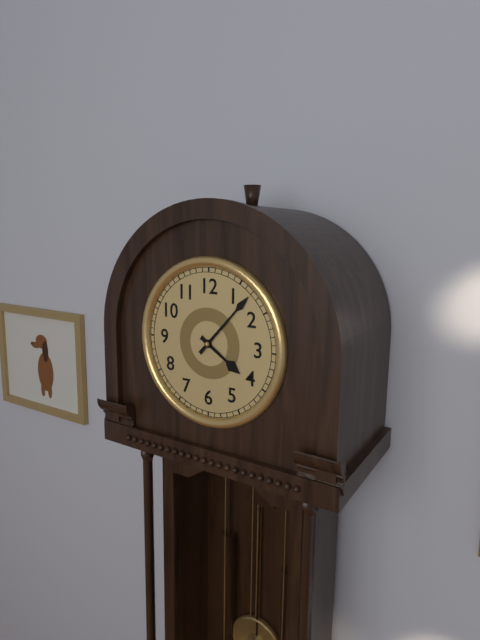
4:07
